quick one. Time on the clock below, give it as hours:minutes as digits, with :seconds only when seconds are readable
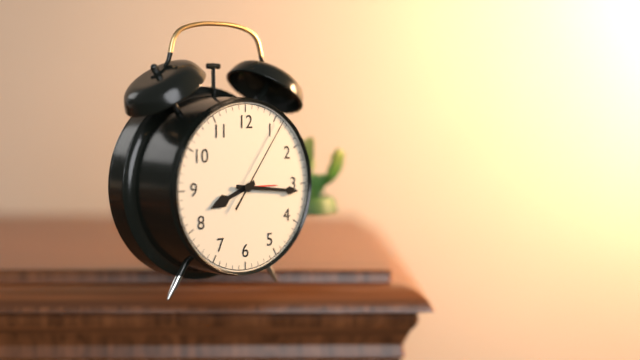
8:16:06
